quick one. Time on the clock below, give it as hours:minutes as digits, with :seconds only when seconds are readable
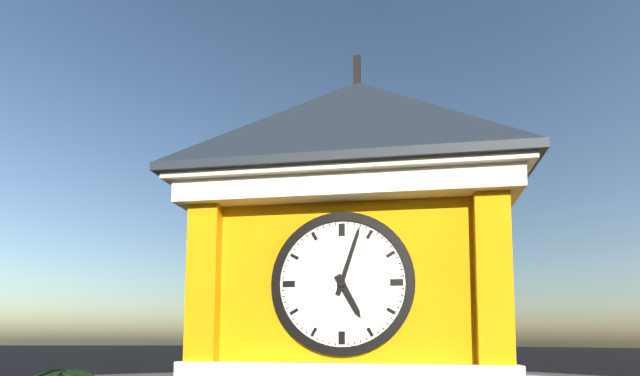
5:03
